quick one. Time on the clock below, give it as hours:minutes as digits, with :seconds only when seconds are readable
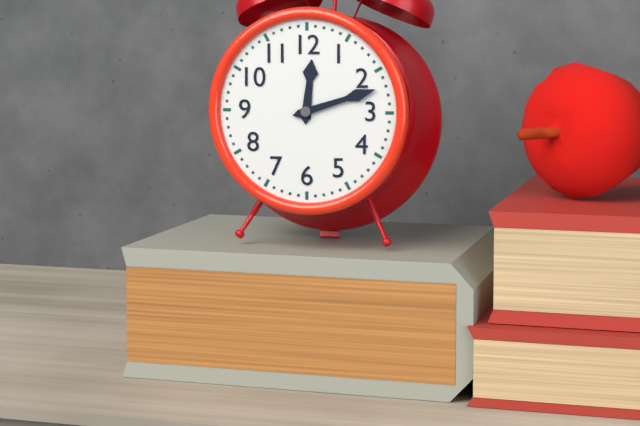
12:12
